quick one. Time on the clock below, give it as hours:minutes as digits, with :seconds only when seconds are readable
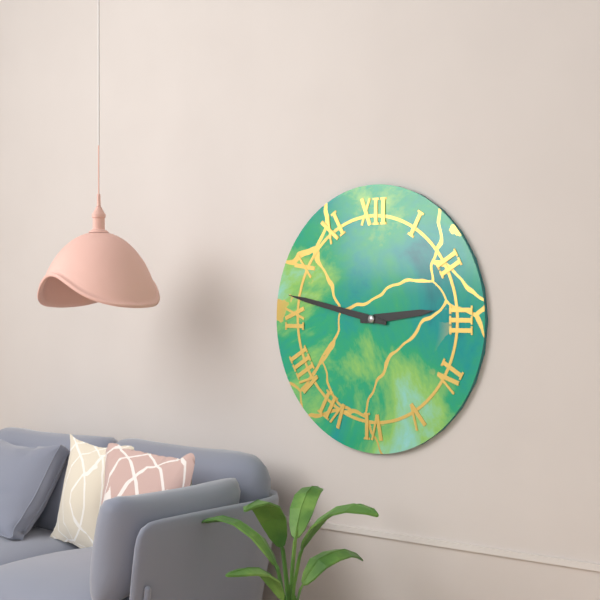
2:47
